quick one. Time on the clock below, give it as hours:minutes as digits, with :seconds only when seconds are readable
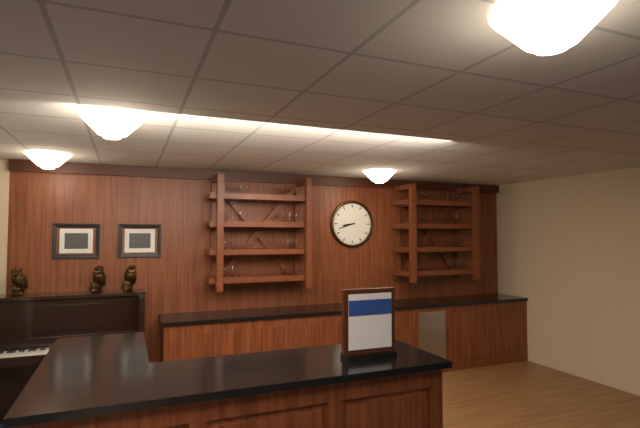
8:42
